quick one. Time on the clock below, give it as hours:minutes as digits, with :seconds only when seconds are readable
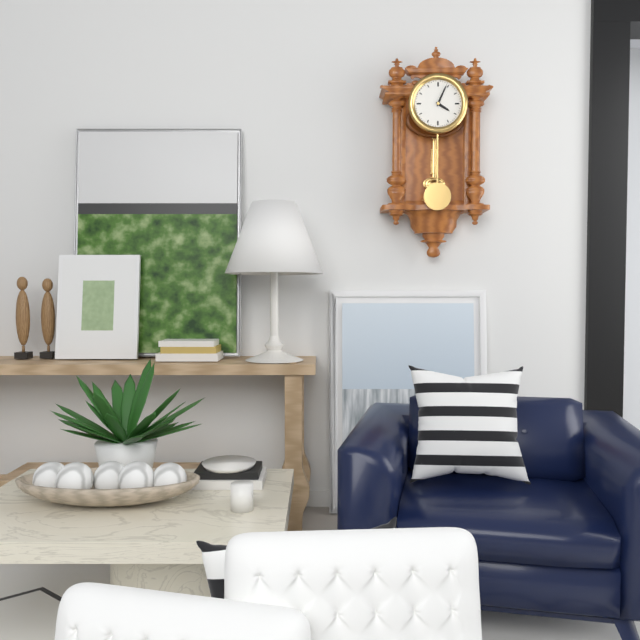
4:04
